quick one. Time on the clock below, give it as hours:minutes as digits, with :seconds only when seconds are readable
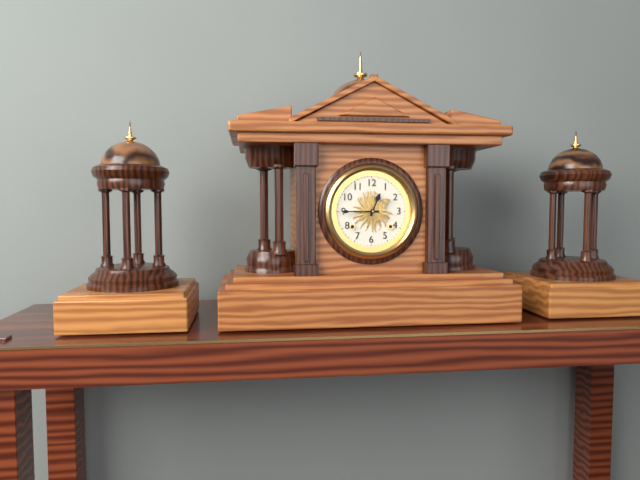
12:45
